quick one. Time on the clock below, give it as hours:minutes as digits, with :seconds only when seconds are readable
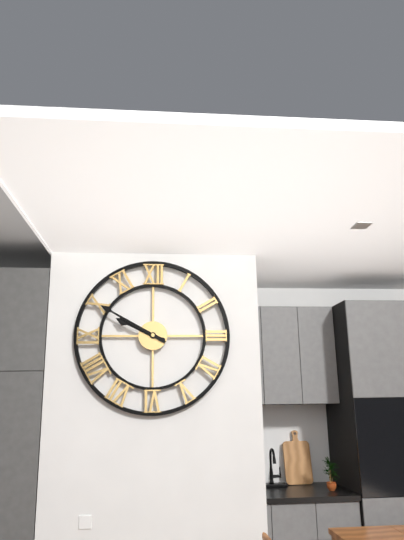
9:50
